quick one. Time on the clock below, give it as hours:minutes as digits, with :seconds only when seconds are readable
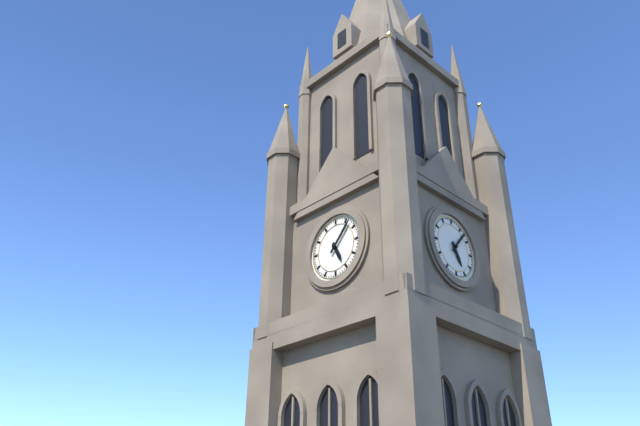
5:07
